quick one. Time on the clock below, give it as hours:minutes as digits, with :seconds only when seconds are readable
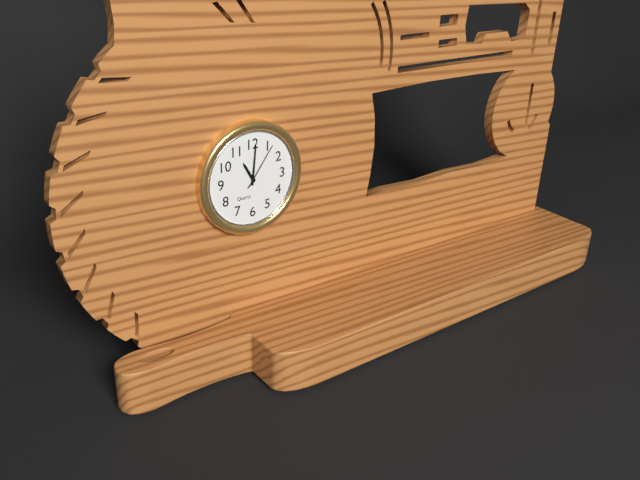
11:01
